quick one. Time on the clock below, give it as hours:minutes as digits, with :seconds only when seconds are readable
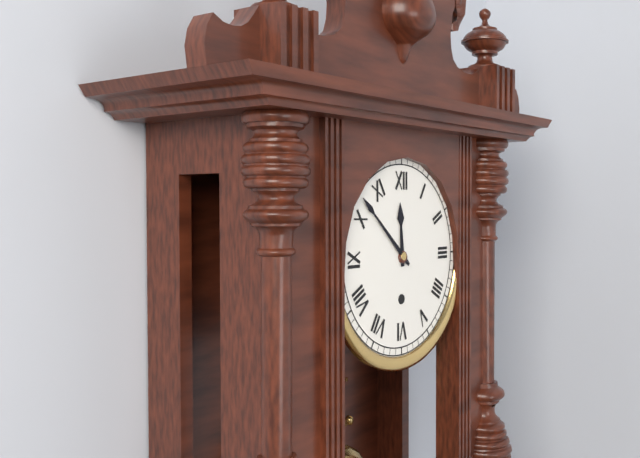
11:52
